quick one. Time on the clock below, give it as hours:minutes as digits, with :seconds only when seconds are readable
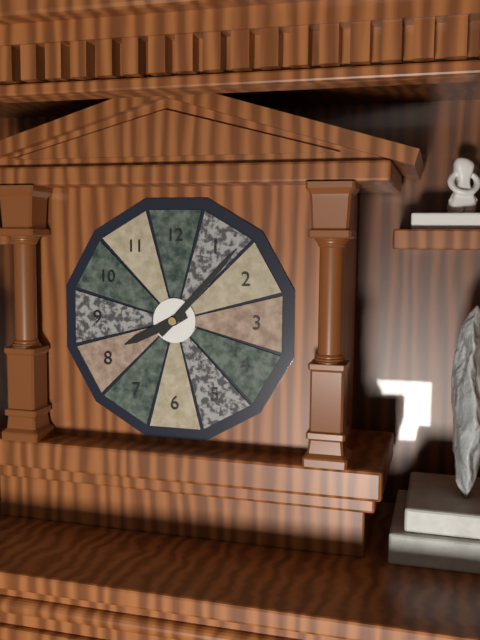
8:07
